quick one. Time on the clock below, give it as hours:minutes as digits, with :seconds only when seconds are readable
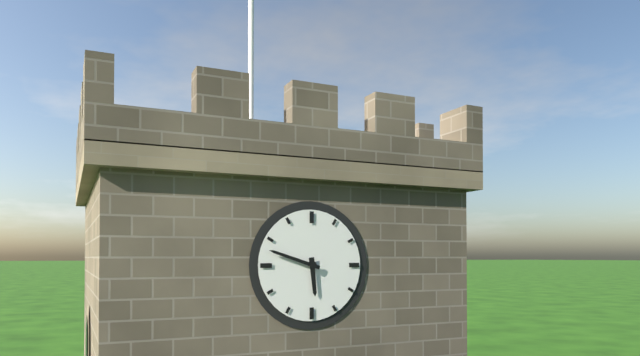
5:48
